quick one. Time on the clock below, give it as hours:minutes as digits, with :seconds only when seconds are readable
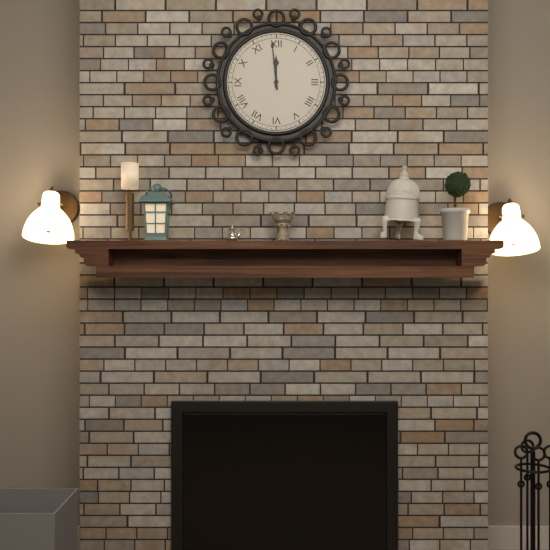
11:59
